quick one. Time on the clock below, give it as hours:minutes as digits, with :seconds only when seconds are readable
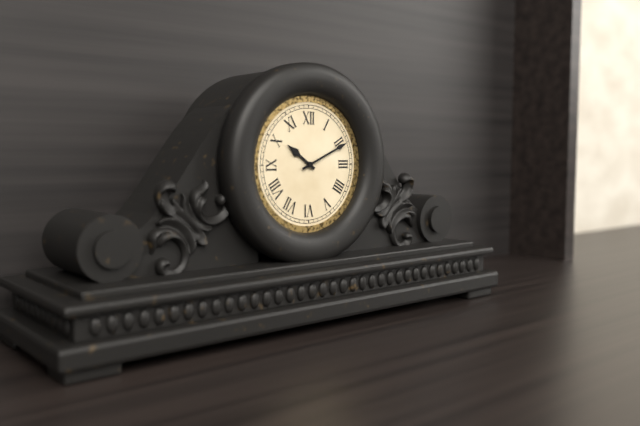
10:11
